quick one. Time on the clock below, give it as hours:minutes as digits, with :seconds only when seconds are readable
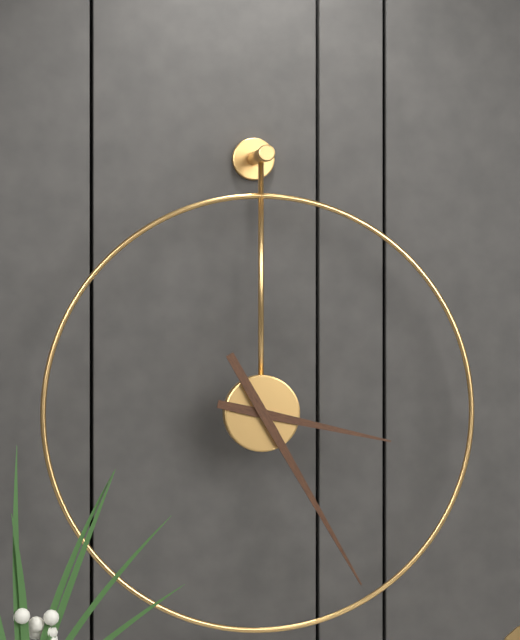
3:25
